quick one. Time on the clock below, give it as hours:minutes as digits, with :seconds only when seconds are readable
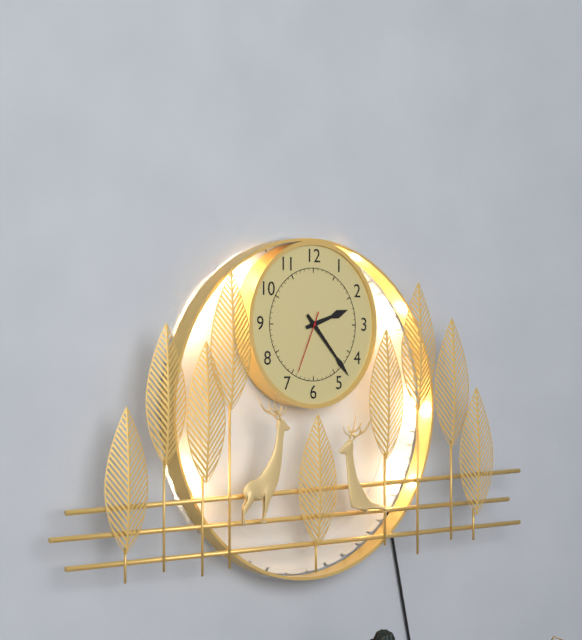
2:23:34
